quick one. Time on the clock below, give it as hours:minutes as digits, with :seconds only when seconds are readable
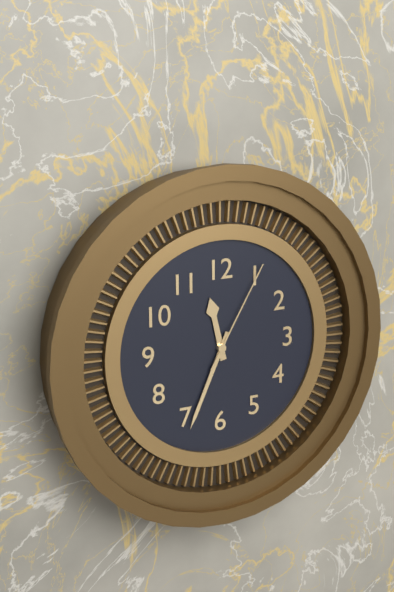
11:34:05
